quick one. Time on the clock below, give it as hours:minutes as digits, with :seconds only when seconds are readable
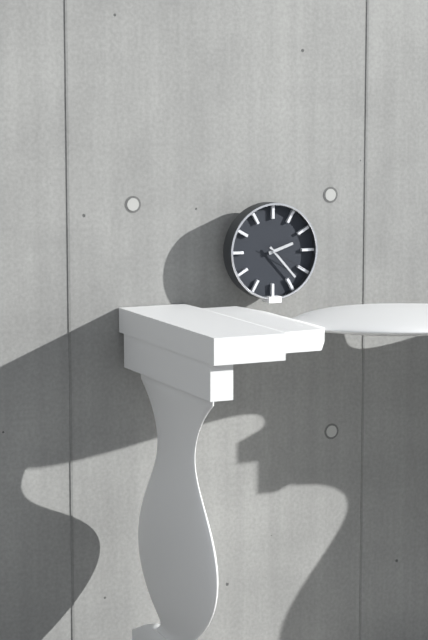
2:23
